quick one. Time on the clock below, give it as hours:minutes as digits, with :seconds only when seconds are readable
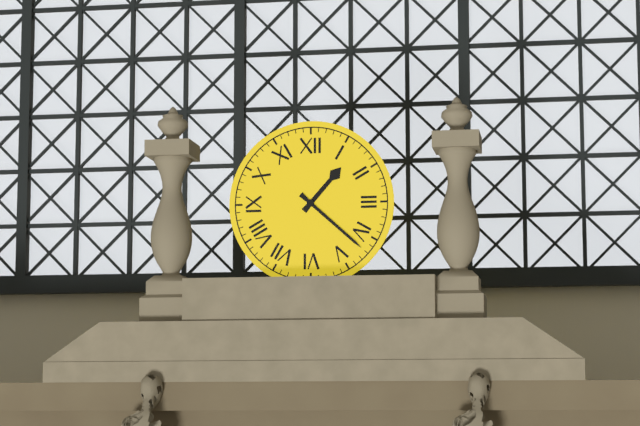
1:22
